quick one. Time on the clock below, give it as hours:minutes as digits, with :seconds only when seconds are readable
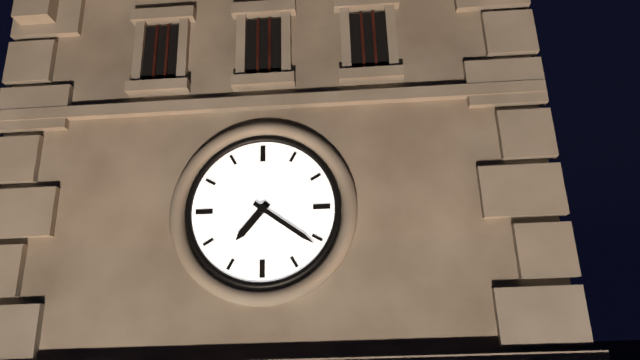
7:21
